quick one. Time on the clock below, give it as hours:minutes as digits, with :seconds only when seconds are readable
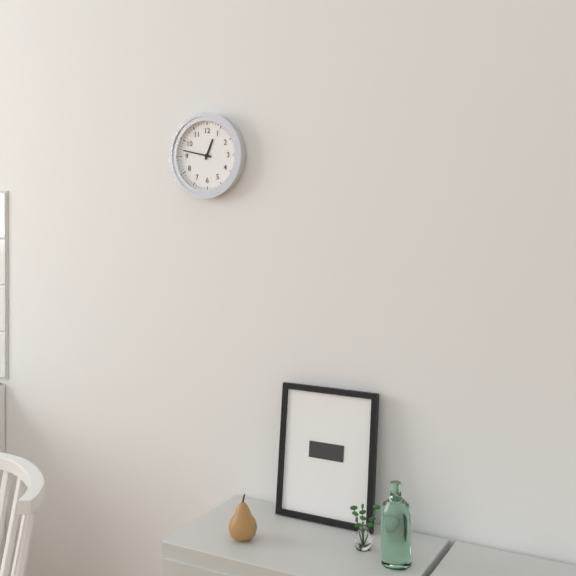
12:47
